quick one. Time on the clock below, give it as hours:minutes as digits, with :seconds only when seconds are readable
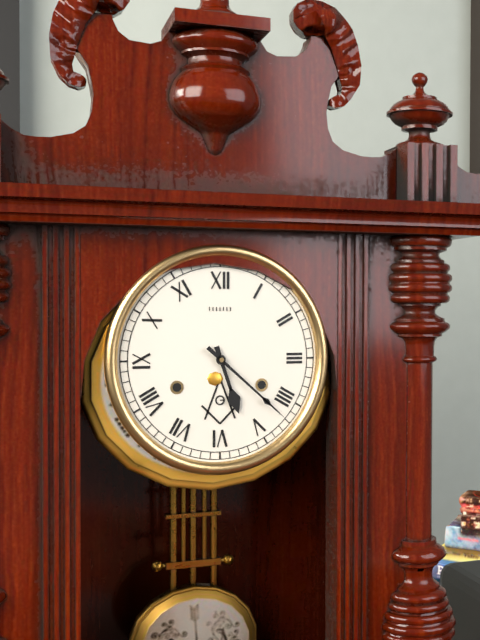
5:22
